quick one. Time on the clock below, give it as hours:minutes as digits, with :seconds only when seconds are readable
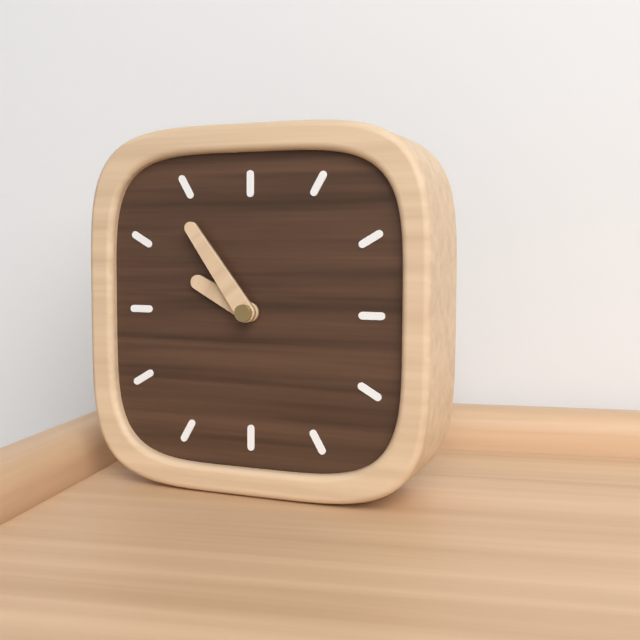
9:54
